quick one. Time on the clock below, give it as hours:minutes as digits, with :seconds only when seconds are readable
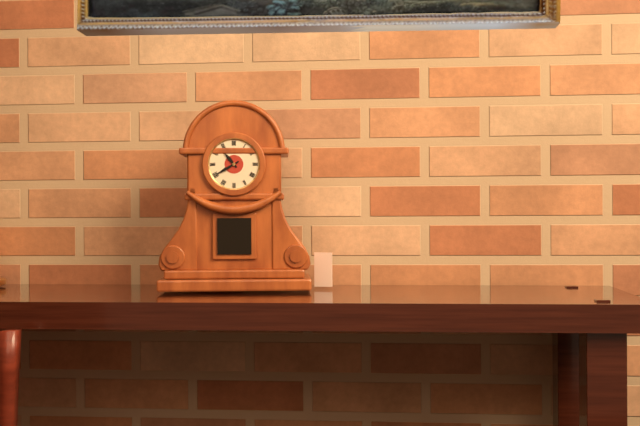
10:40
